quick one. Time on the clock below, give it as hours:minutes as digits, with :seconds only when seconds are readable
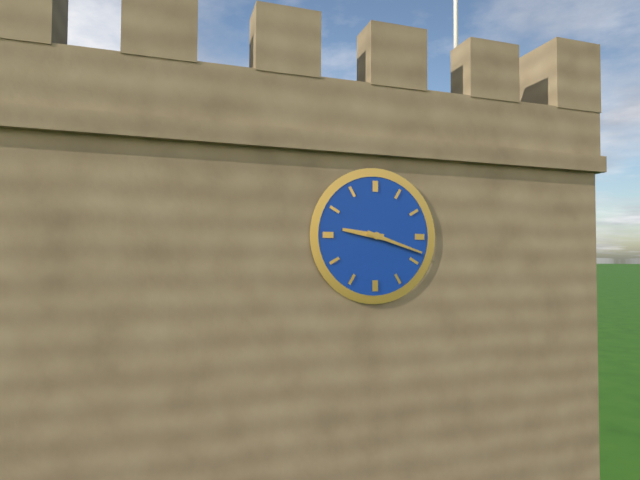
9:18
